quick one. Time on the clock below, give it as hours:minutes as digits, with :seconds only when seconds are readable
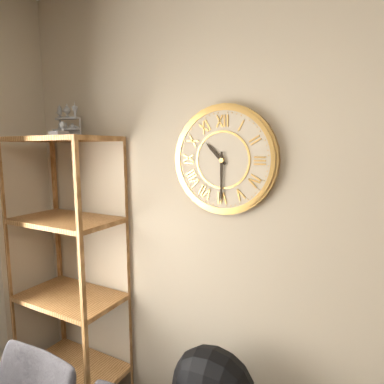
10:30
